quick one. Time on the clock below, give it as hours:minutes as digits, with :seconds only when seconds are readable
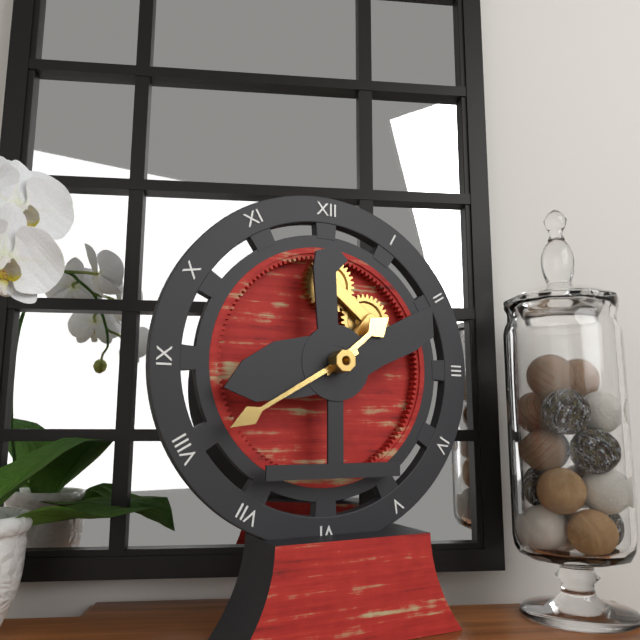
1:40
